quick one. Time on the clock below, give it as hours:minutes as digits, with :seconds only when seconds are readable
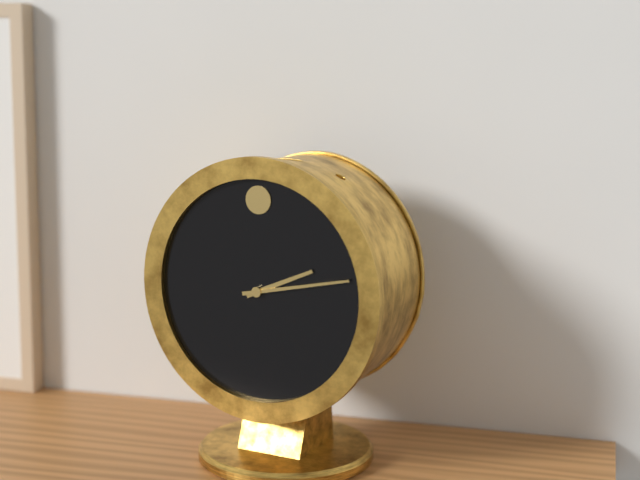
2:13
